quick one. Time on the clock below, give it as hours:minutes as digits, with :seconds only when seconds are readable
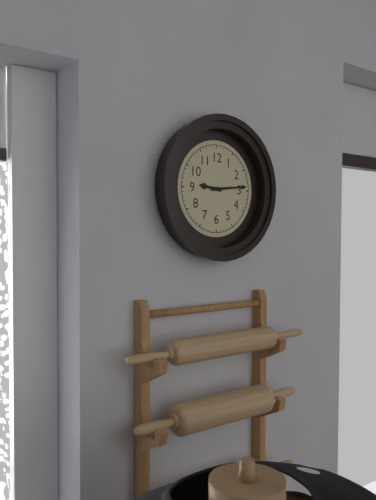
9:14
